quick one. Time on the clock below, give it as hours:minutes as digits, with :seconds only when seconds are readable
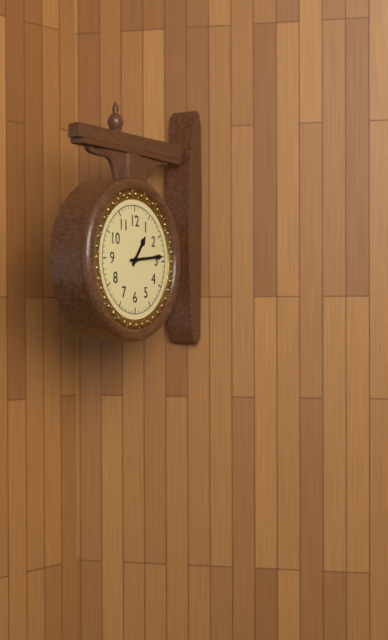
1:14
